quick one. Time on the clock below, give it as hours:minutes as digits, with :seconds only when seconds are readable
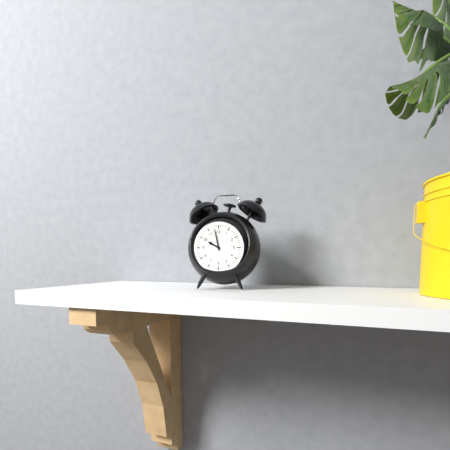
9:58
